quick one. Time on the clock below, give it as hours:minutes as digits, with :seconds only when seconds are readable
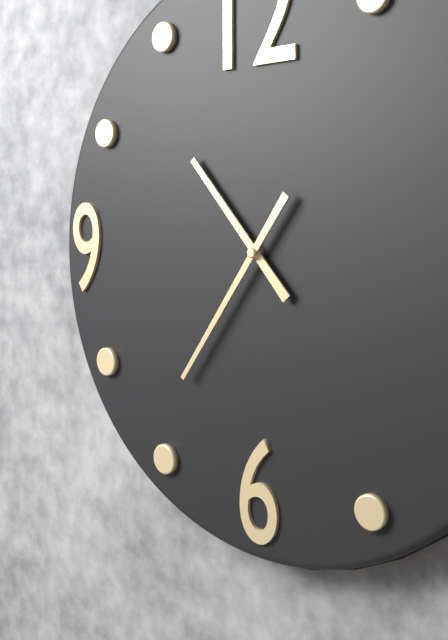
10:36
